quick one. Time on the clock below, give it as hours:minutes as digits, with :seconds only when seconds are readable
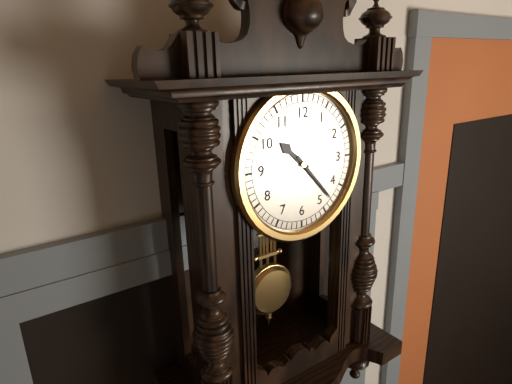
10:23
